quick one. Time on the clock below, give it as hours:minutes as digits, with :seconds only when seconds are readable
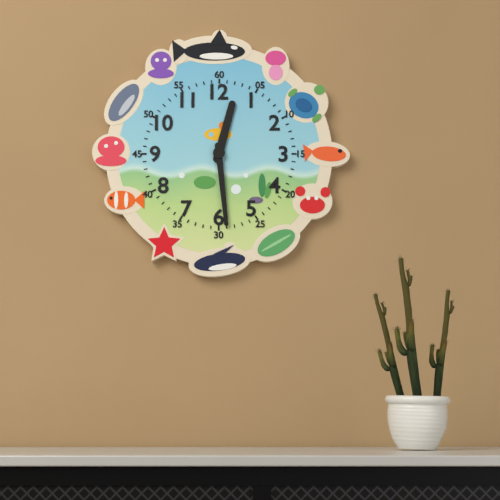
12:29
